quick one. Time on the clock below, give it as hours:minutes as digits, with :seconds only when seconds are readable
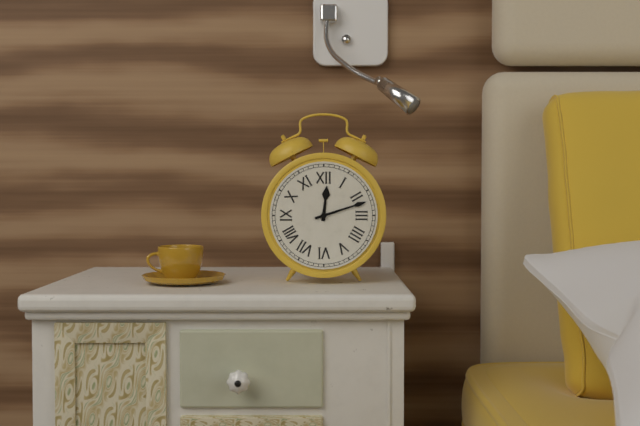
12:12
